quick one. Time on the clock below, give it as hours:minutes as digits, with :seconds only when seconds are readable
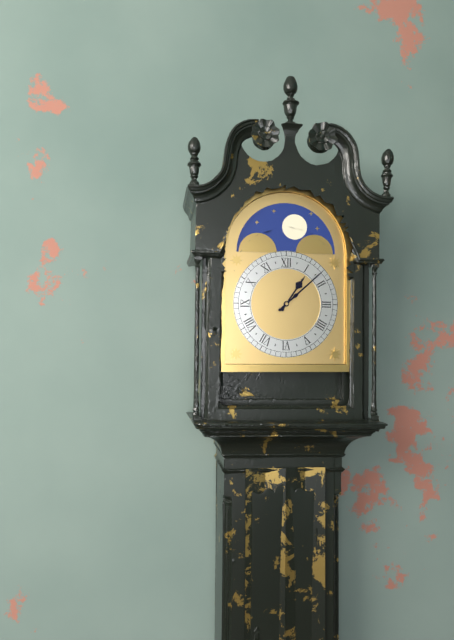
1:08
